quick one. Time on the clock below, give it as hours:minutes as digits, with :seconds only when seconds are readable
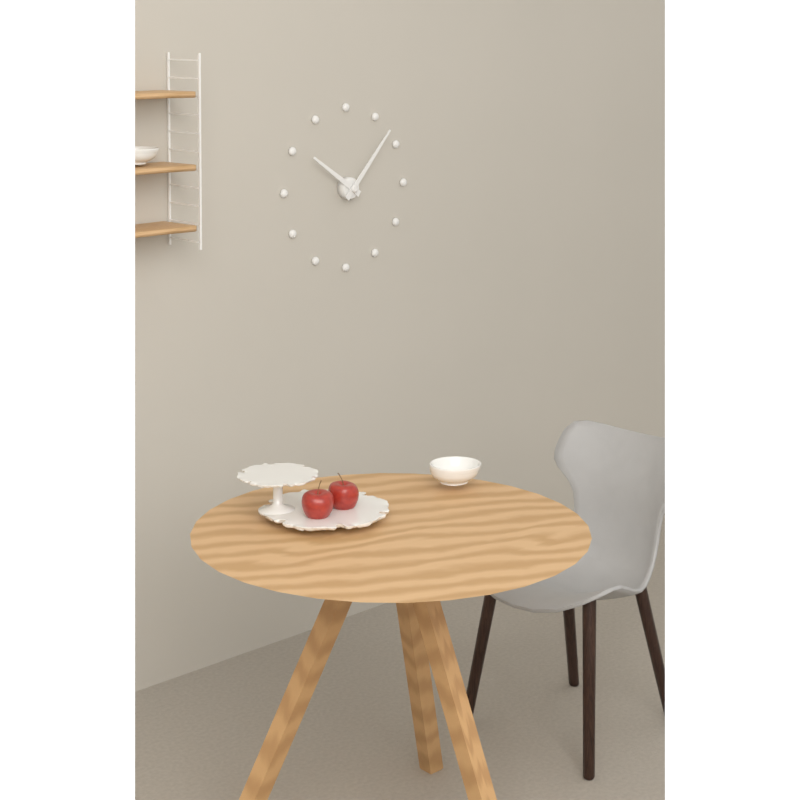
10:07
